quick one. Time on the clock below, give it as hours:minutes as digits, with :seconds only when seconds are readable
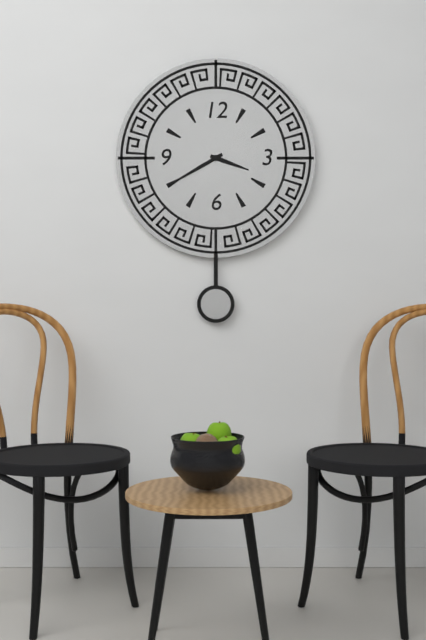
3:40
